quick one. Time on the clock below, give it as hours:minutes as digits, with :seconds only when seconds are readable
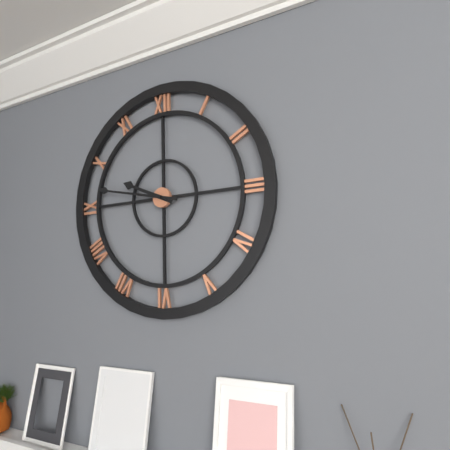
9:47
